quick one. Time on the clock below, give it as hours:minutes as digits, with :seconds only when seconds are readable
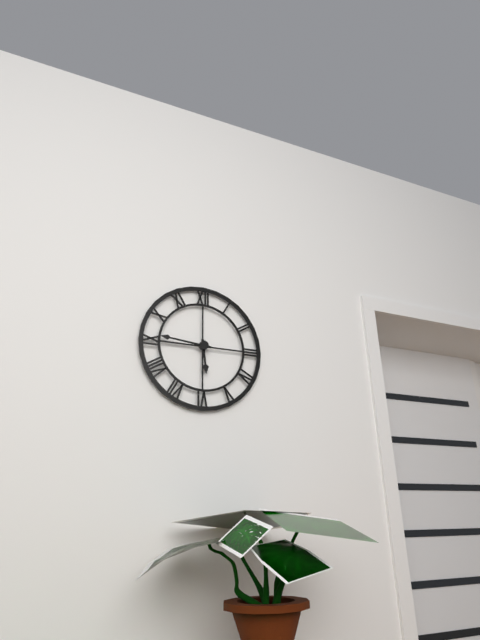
5:46
